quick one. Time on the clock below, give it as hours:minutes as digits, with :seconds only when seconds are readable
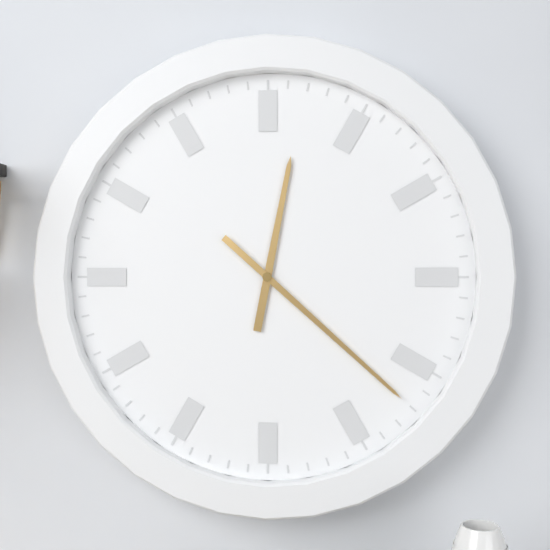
12:22
